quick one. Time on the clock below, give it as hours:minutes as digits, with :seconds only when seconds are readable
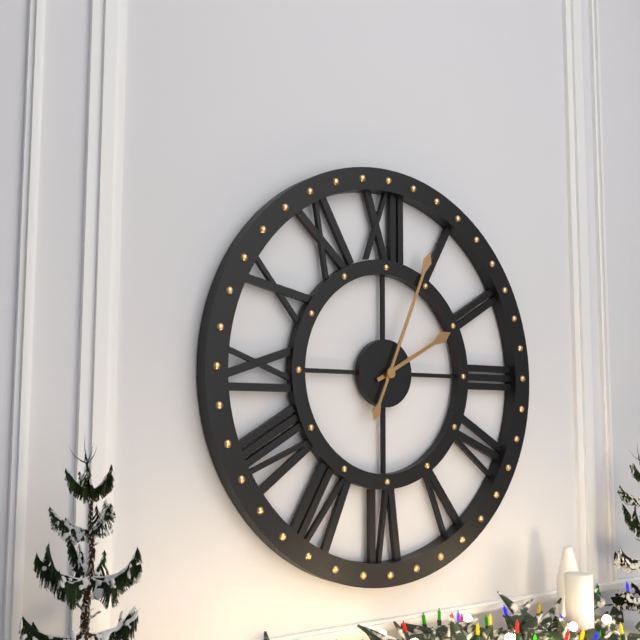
2:04
